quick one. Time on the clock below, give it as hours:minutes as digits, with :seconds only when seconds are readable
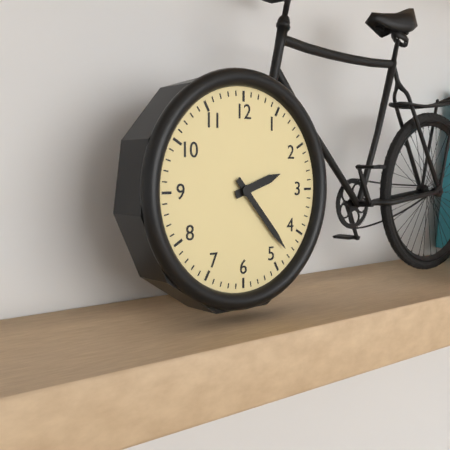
2:23
